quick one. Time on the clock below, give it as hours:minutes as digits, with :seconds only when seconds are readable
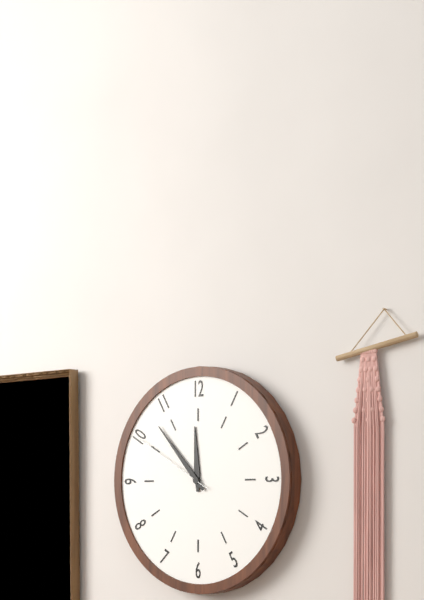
11:53:50
